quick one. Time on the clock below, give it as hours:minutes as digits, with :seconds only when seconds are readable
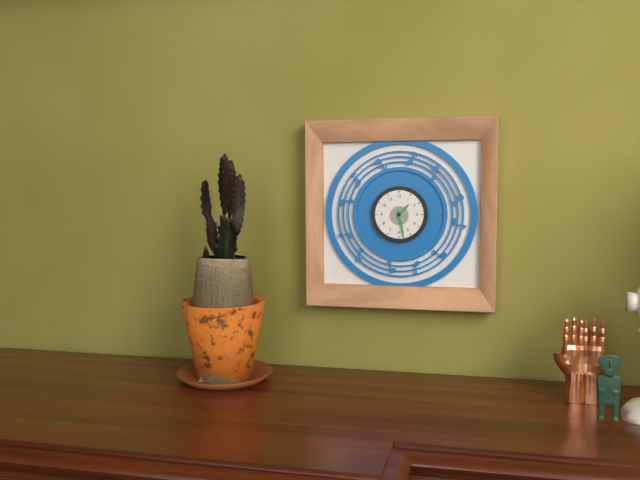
1:28
